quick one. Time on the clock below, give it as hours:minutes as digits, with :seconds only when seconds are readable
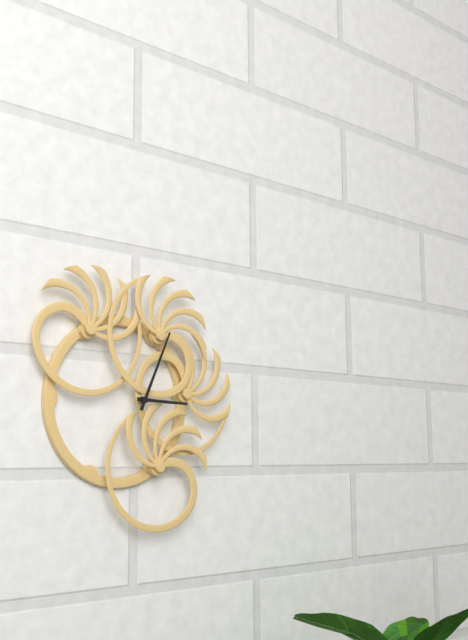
3:04
